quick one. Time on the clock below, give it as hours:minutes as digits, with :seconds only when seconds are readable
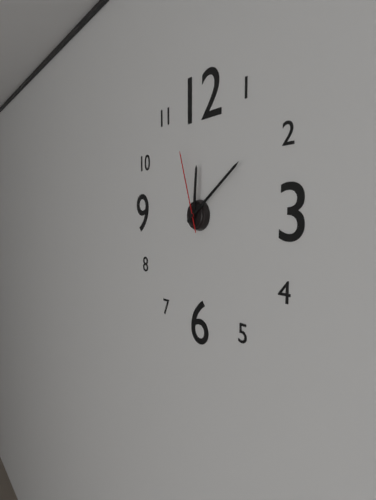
12:09:57
